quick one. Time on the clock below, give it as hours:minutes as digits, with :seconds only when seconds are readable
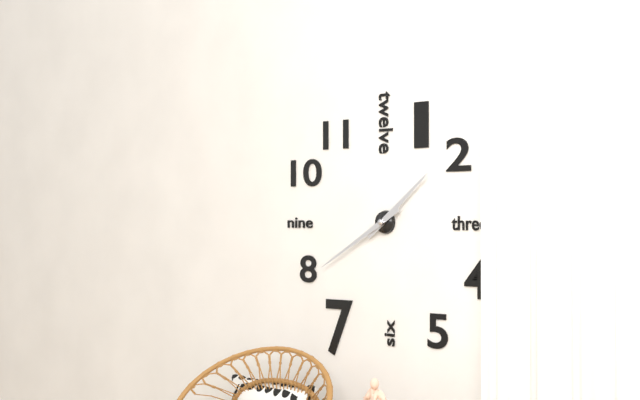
1:40
